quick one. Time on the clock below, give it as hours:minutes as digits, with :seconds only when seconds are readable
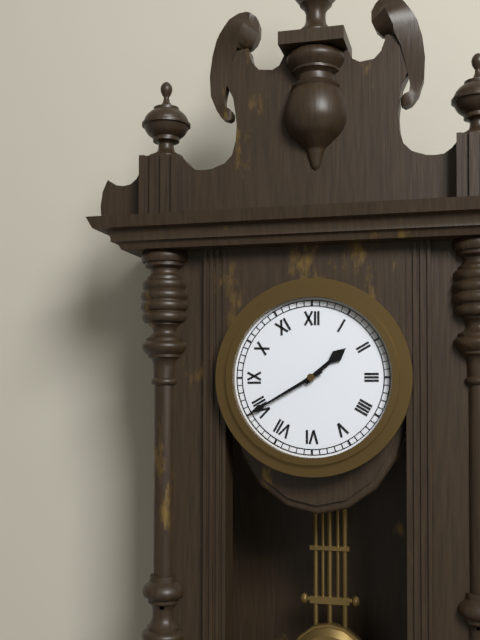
1:40
